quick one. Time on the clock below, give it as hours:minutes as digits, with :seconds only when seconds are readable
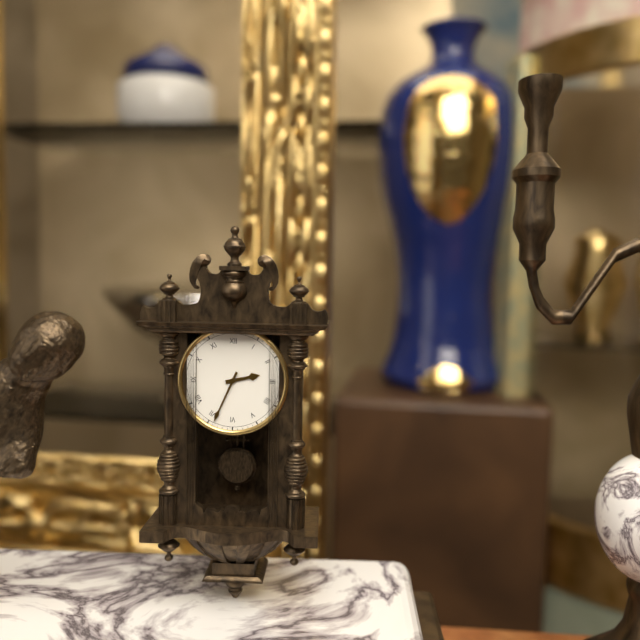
2:34
